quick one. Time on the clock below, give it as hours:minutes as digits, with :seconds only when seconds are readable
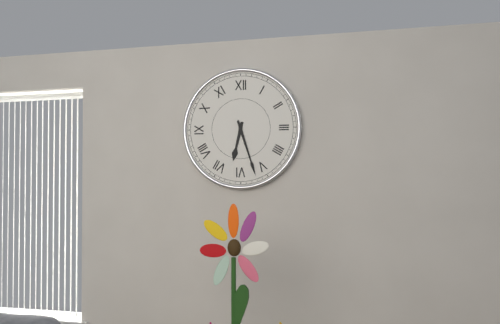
6:27
